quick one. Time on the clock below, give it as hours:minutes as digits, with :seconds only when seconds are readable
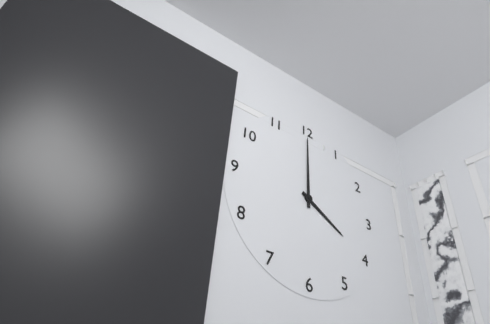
4:00
